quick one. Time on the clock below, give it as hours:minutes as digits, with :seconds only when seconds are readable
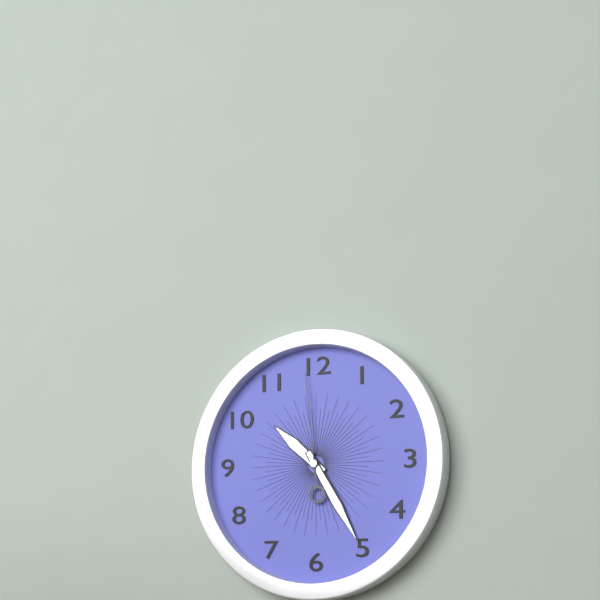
10:25:59
